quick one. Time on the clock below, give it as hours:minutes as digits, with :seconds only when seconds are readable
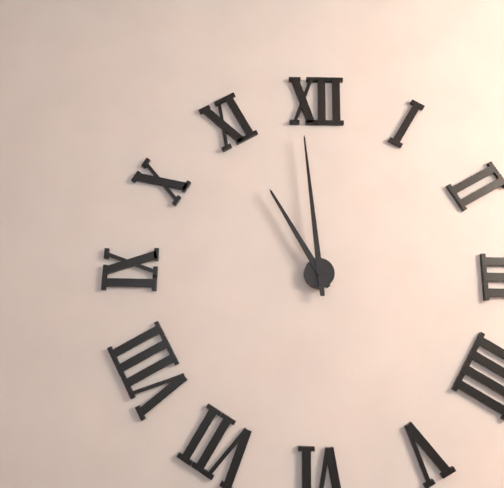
10:59
